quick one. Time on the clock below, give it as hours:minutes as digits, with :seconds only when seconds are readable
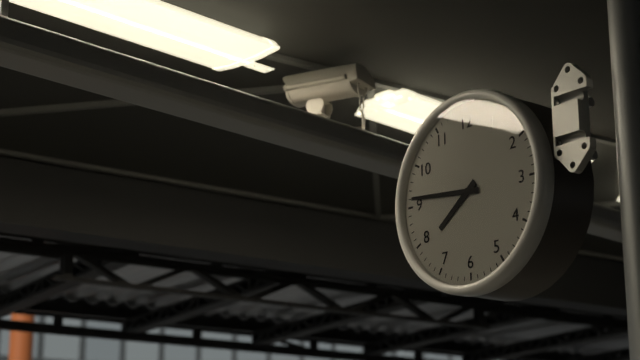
7:46
